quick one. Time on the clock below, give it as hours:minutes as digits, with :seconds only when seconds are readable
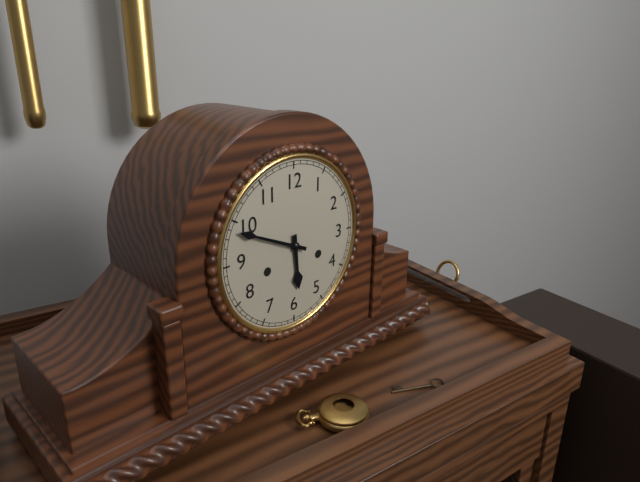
5:49
